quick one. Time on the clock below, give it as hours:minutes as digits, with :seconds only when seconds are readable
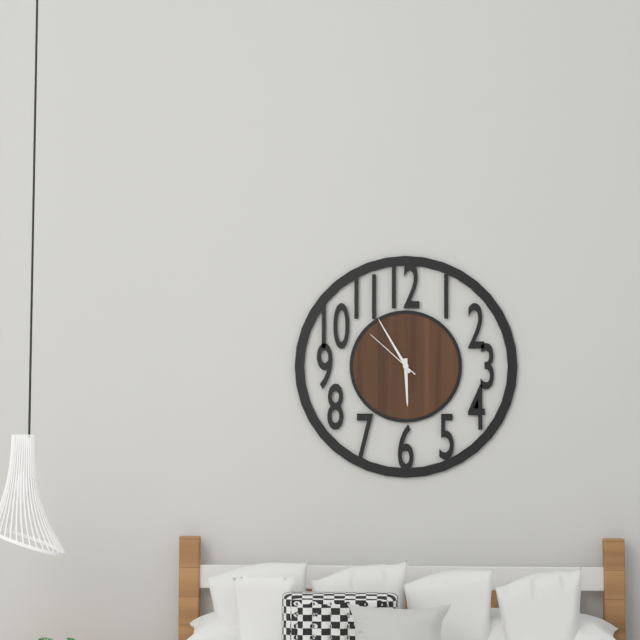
5:55:52
